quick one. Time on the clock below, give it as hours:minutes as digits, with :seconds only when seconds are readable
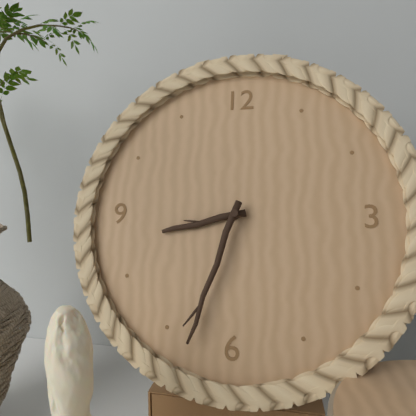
8:33
